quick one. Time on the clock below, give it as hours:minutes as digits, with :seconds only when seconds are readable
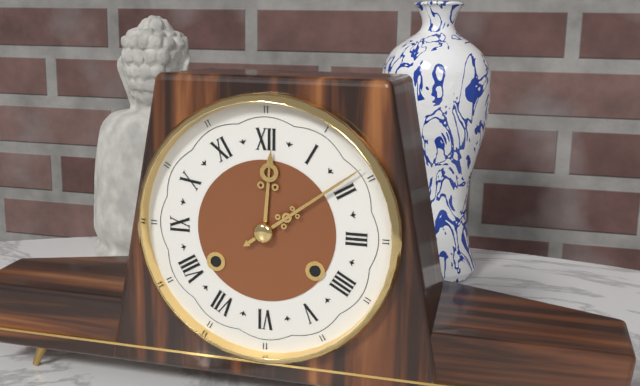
12:09
